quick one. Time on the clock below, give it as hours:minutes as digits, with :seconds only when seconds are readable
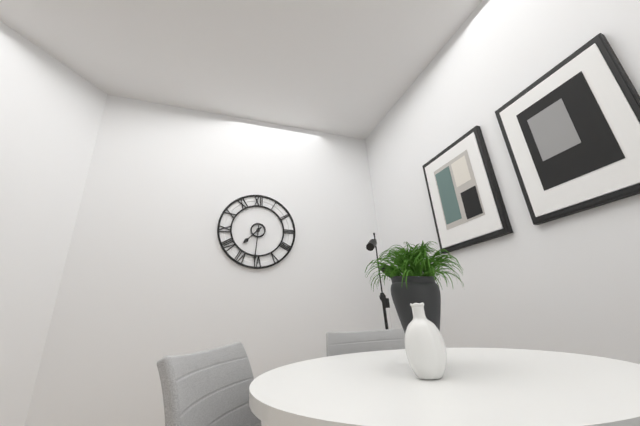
7:31
